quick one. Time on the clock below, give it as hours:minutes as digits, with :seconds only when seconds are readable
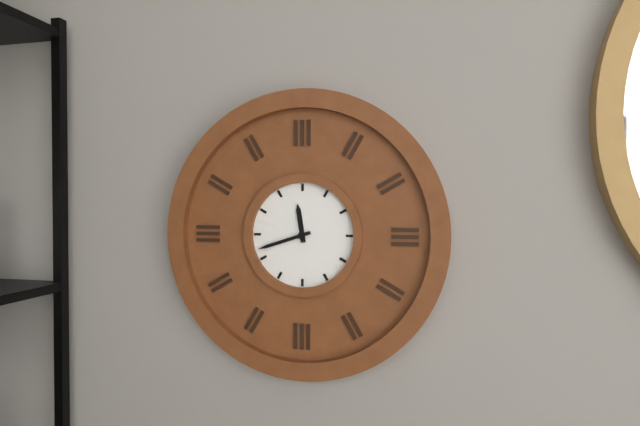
11:42
